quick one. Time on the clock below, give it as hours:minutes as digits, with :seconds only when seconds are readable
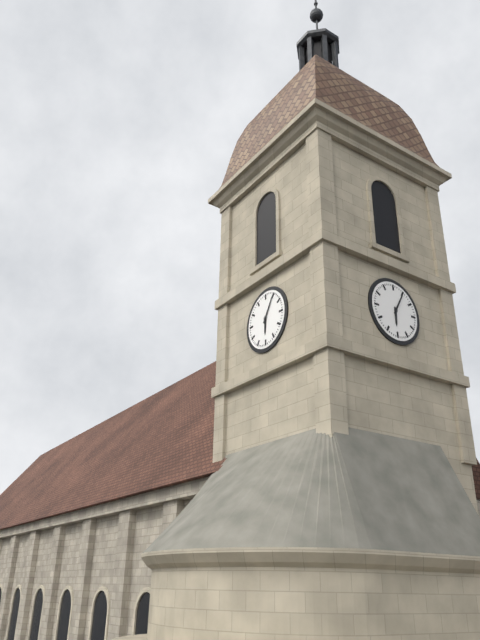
6:05
